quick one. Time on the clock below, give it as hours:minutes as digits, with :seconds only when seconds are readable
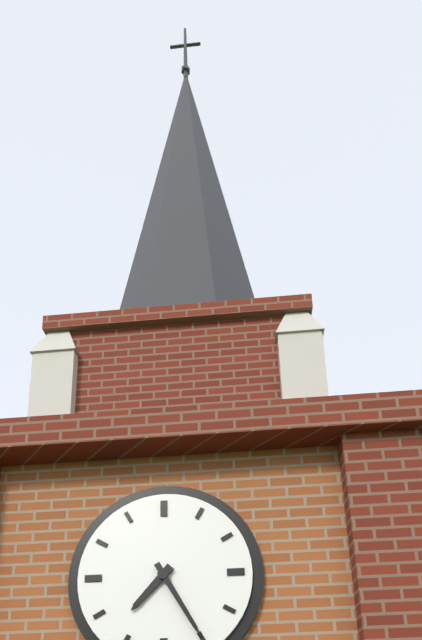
7:25
